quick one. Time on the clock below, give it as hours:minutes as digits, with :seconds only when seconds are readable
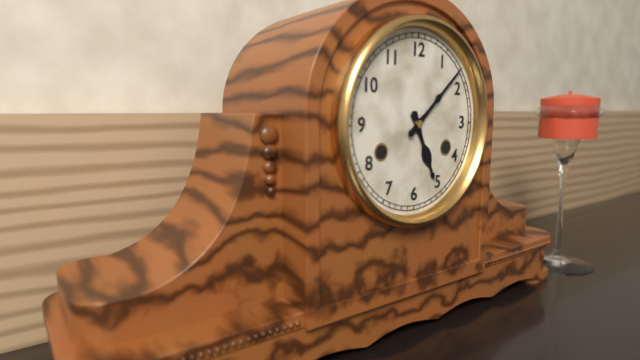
5:08
